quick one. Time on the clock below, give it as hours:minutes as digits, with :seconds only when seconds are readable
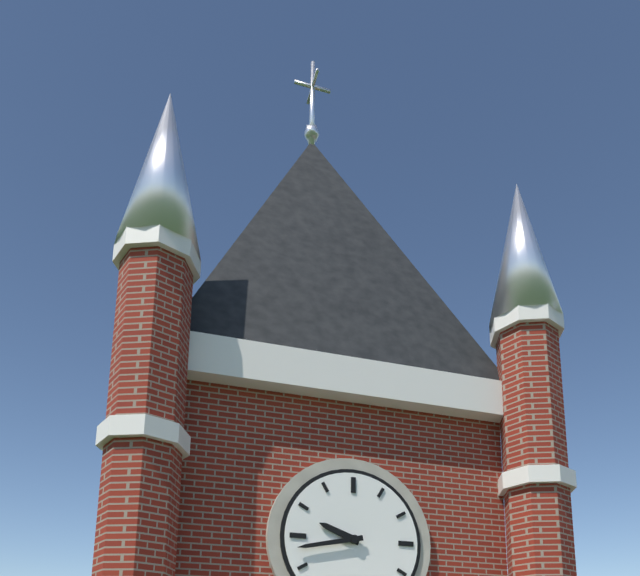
9:43
